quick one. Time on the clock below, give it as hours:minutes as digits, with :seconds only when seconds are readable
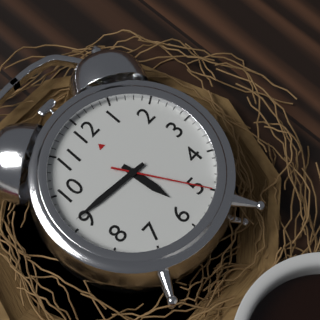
5:46:25
